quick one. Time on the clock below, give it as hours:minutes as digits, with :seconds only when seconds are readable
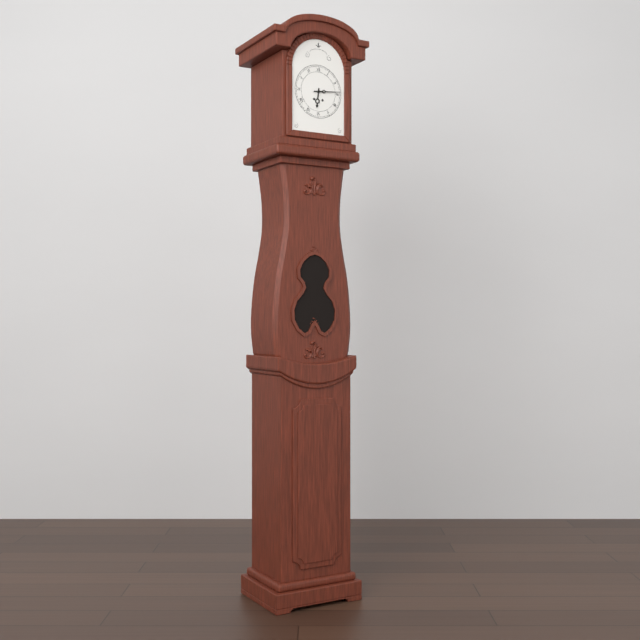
6:14
